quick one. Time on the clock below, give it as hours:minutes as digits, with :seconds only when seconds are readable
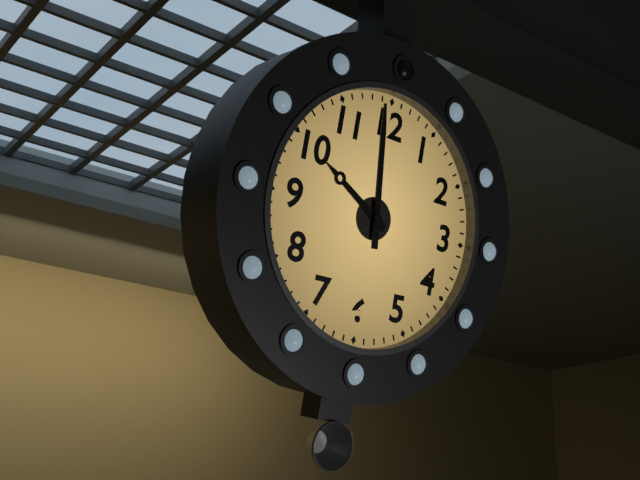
9:59
